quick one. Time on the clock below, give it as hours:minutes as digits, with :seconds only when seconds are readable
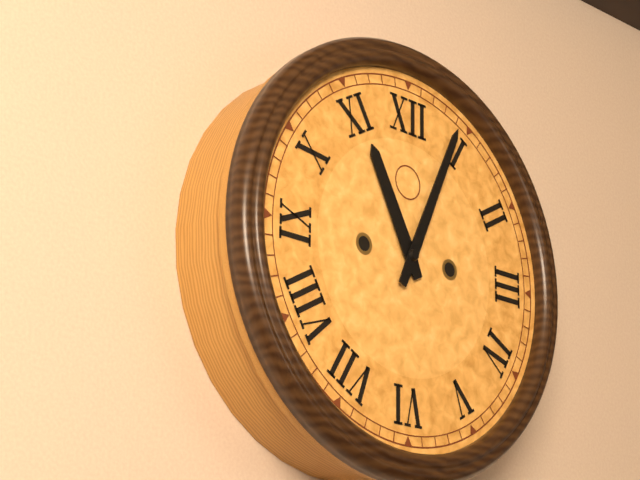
11:04
